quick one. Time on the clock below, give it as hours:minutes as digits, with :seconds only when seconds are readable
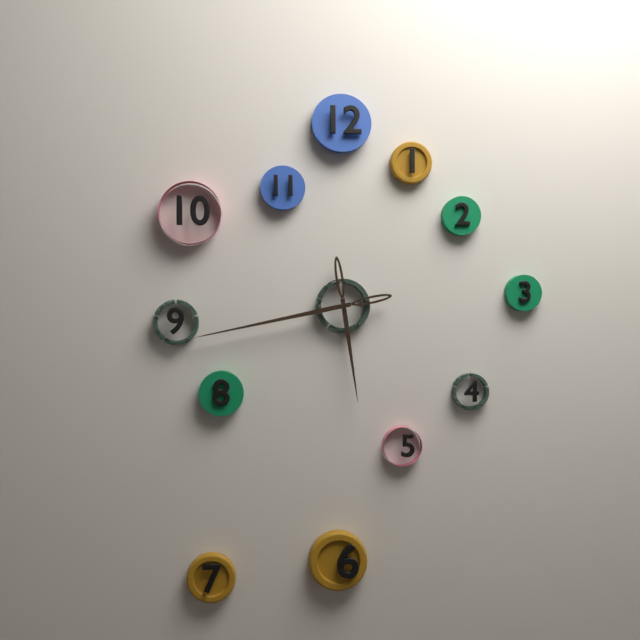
5:43
